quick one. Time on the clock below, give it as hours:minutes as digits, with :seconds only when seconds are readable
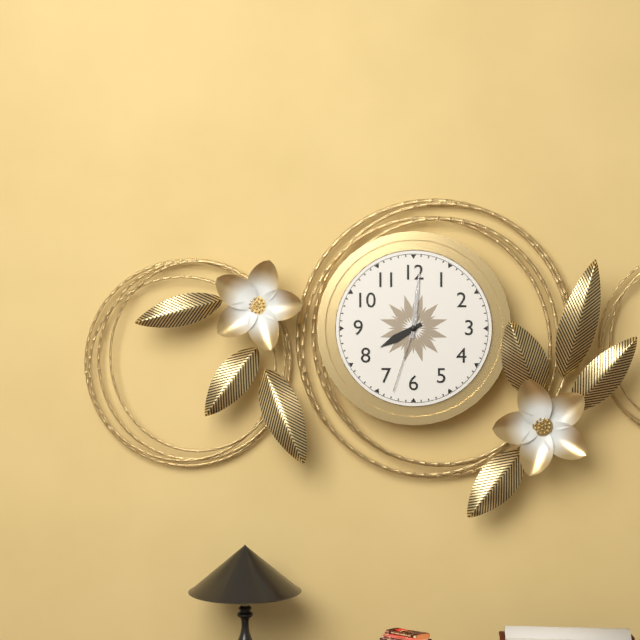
8:01:33
